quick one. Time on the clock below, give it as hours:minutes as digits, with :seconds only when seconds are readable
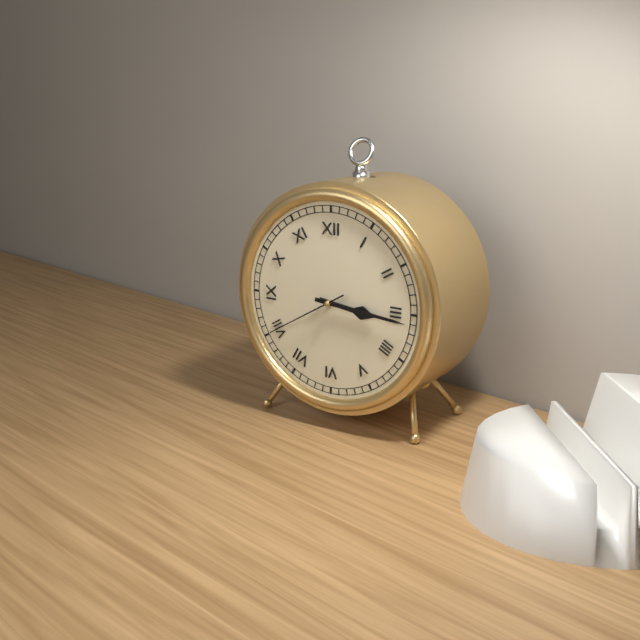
3:16:40
